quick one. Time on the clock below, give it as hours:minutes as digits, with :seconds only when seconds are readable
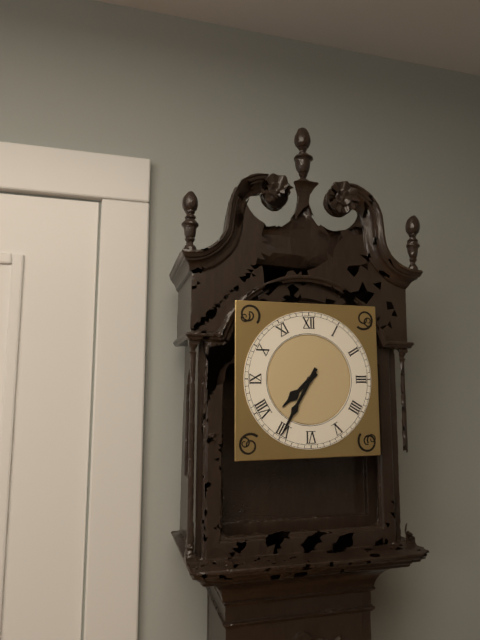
7:35
